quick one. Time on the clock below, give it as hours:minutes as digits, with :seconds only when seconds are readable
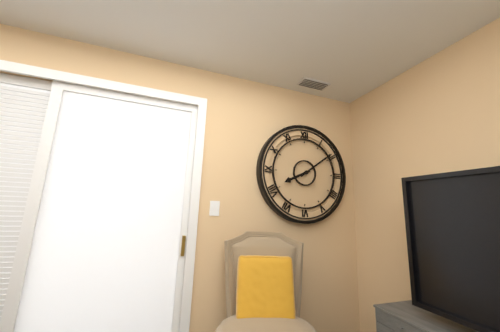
8:09
